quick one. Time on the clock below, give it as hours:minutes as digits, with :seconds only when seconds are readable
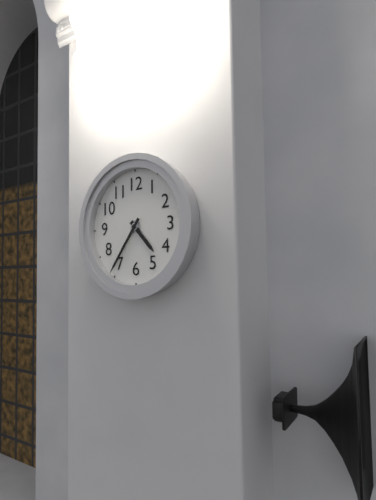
4:36
